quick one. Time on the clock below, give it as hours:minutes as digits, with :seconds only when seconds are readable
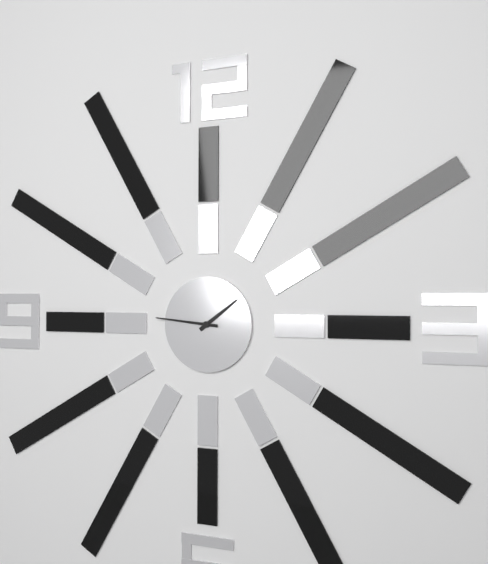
1:46
